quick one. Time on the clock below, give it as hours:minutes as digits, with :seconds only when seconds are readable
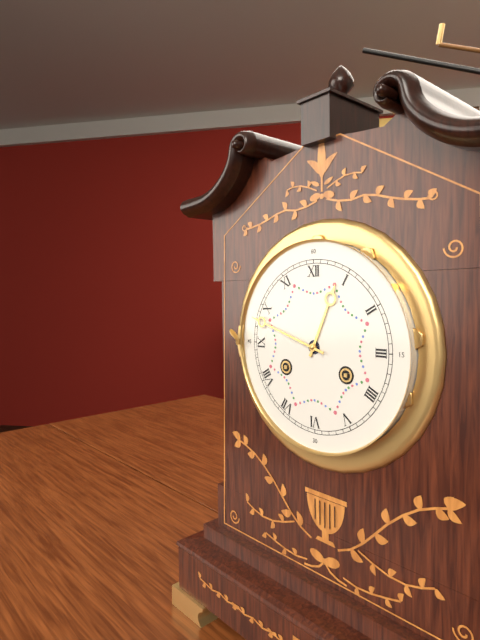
12:48
